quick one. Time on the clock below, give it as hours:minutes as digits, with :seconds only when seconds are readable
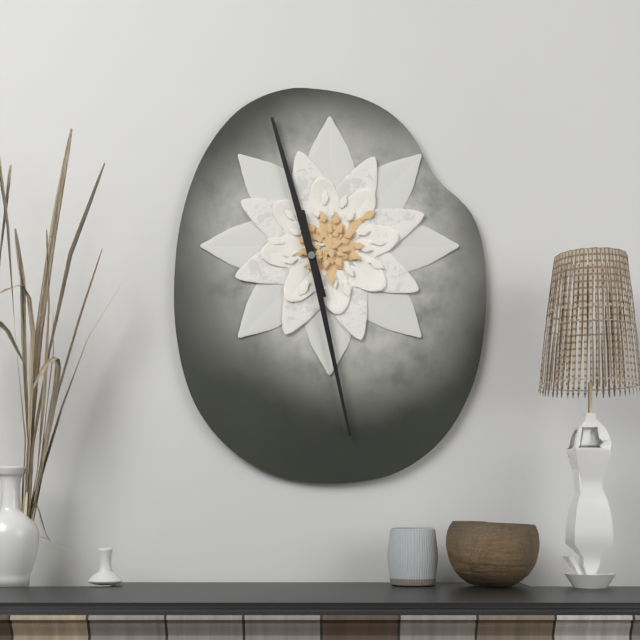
11:28
